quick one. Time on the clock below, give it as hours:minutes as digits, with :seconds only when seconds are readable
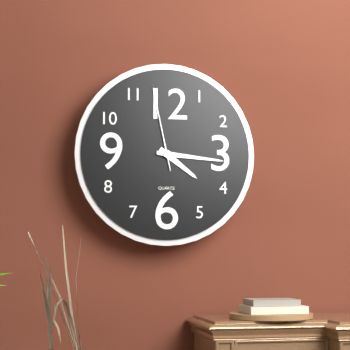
4:16:58
